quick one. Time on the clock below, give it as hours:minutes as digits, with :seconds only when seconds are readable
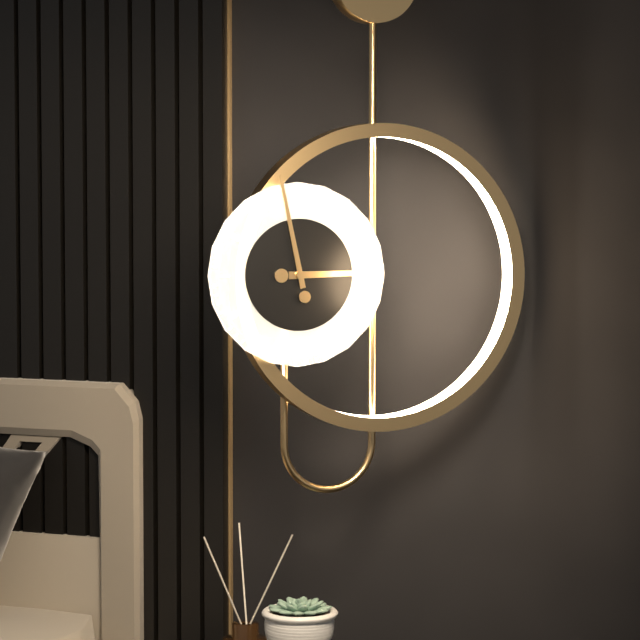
2:58
